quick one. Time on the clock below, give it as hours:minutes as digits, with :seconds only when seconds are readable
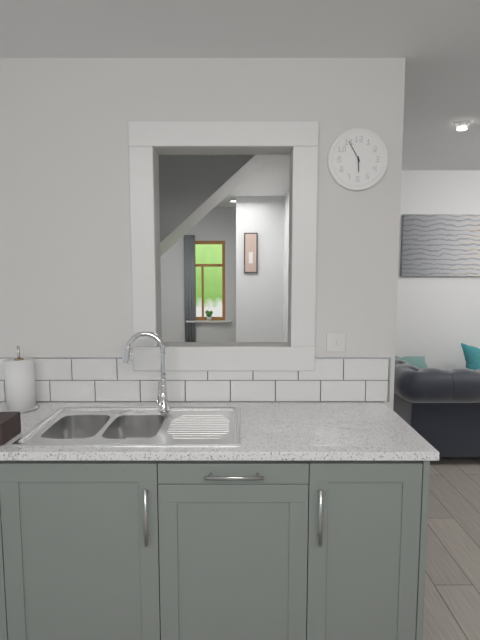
5:55
